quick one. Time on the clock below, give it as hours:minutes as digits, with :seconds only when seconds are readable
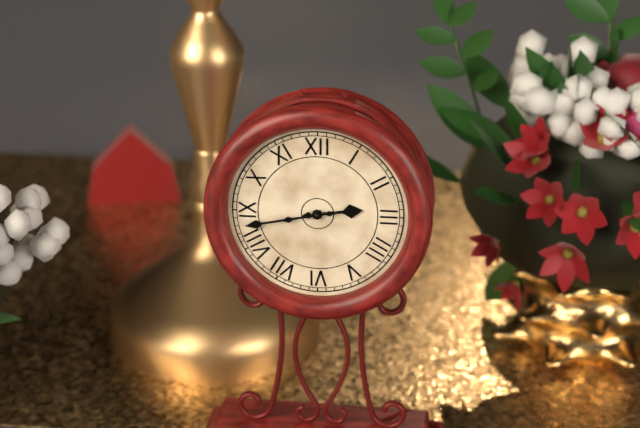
2:43
